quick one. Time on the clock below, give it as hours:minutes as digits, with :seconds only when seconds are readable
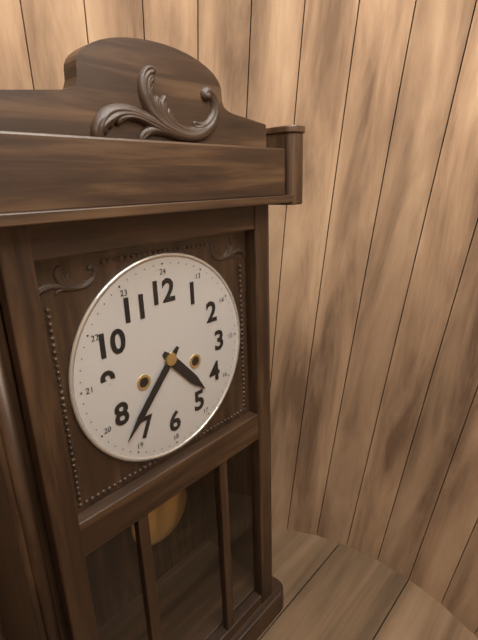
4:37
